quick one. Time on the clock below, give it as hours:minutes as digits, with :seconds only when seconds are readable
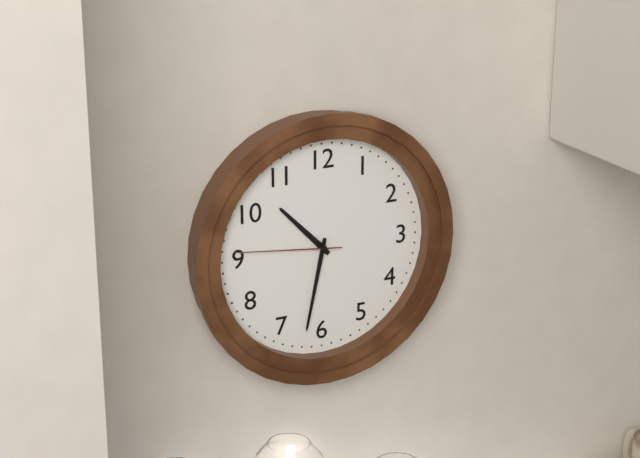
10:32:46
